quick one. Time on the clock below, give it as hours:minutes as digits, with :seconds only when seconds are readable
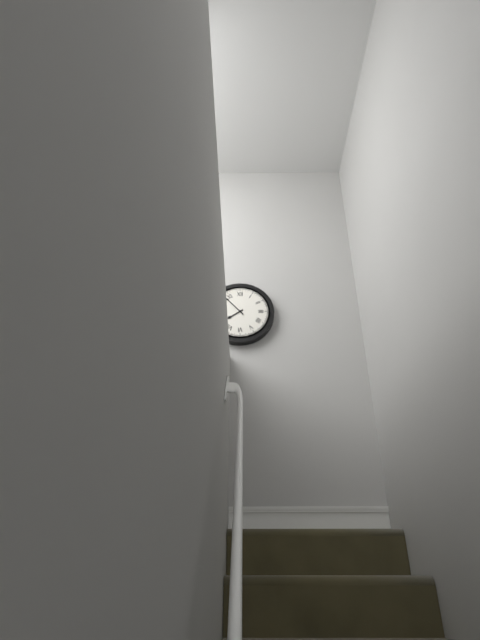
7:53
